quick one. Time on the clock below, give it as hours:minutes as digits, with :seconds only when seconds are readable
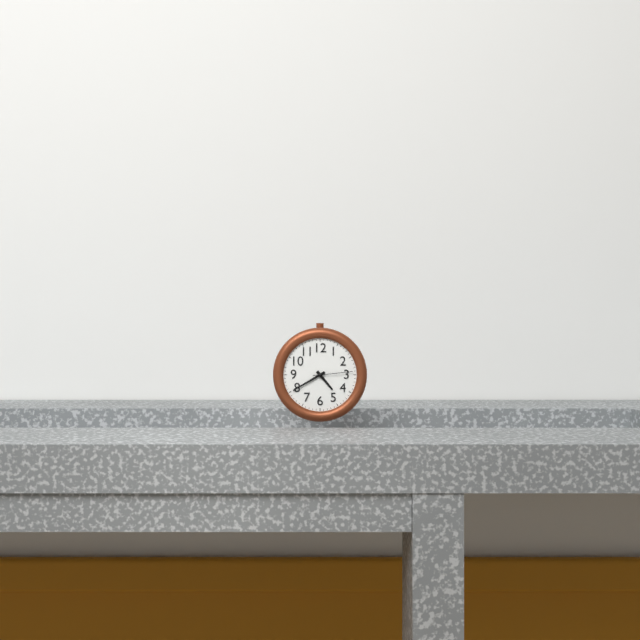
4:40
